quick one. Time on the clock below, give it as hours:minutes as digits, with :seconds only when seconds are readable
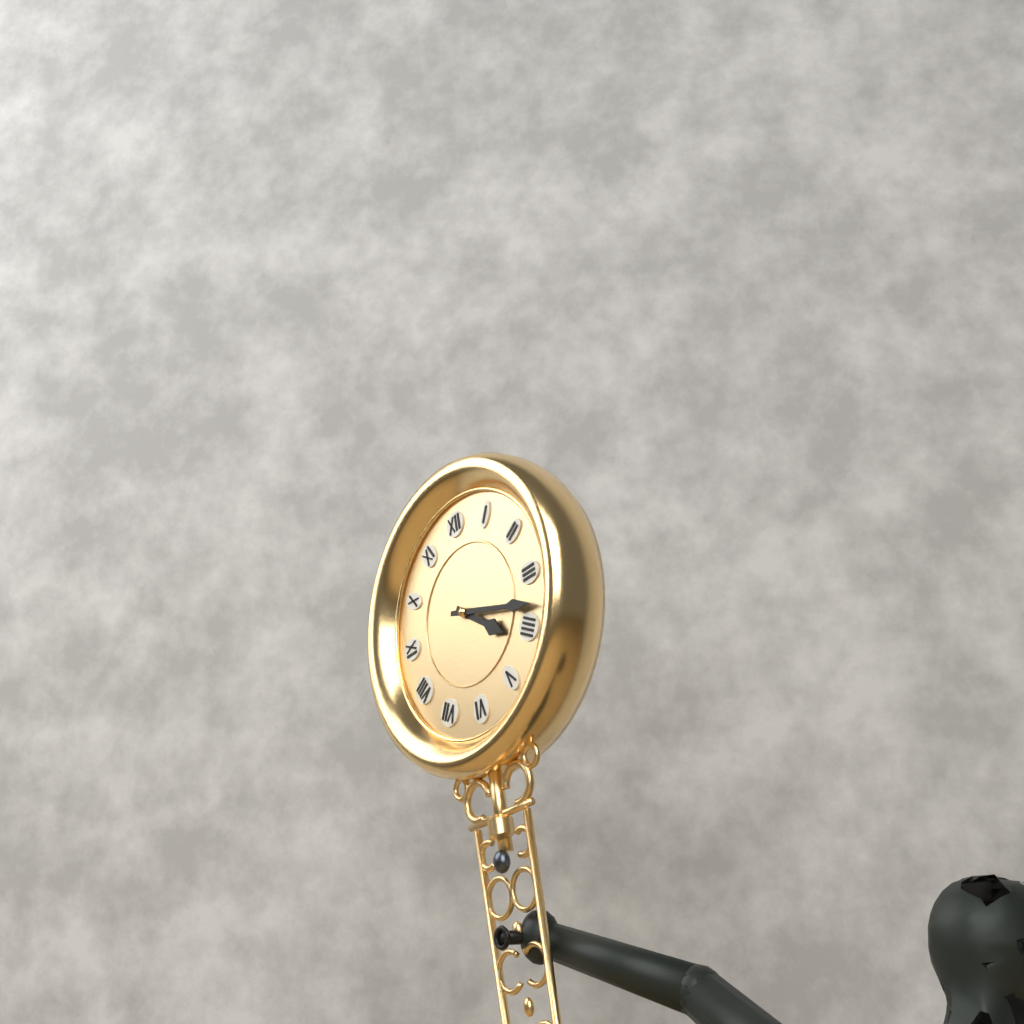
4:18
